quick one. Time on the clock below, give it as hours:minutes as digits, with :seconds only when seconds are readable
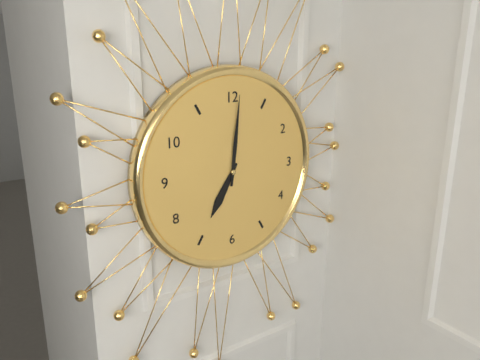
7:01
